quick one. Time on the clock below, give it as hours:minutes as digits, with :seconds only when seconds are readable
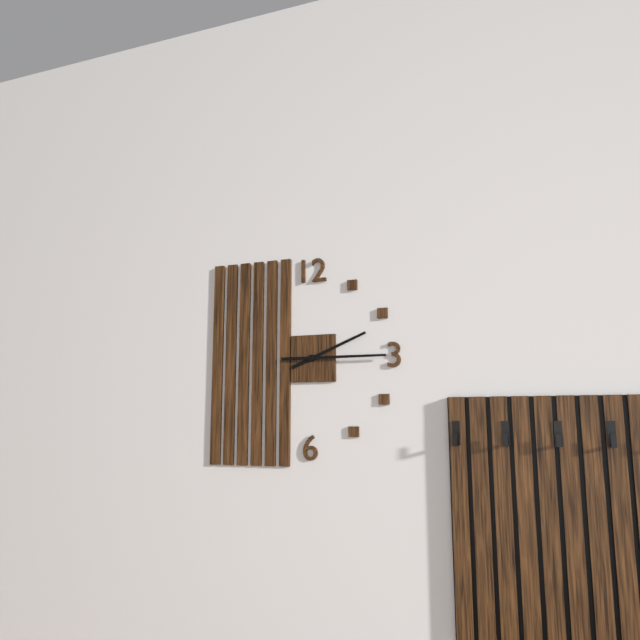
2:15
